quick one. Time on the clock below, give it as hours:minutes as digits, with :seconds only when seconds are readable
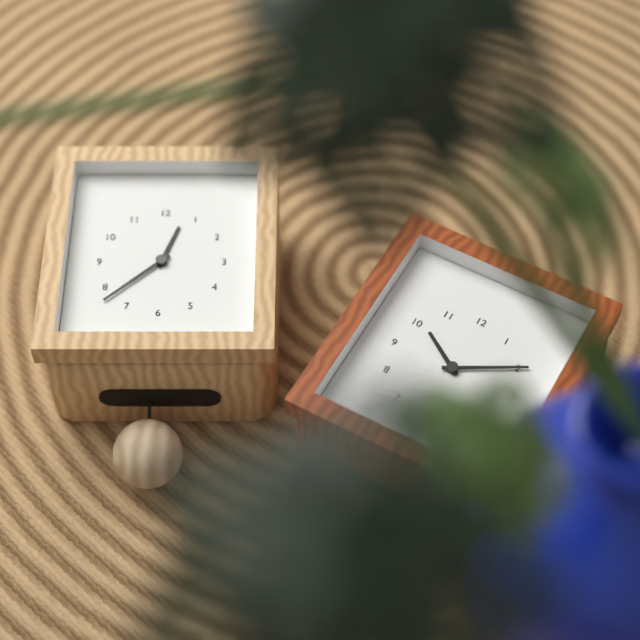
12:38
